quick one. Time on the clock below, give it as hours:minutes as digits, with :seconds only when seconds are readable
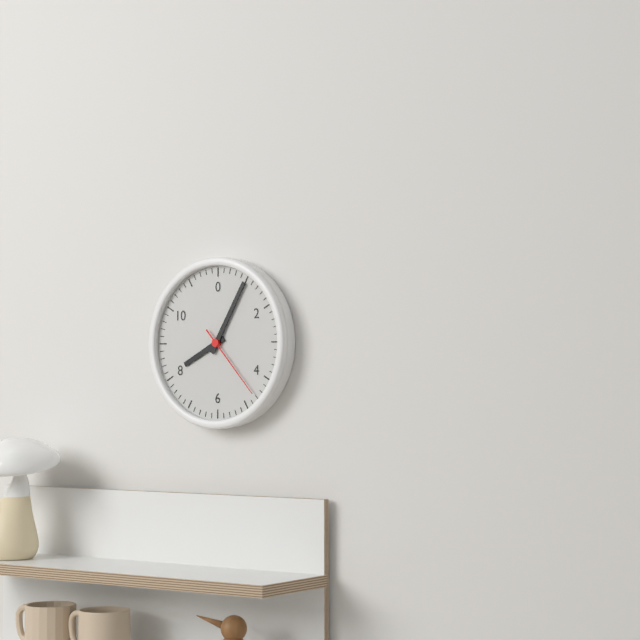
8:05:23
